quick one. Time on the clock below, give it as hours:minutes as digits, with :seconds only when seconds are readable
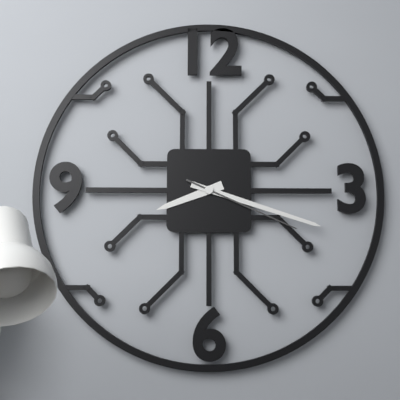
8:18:19
